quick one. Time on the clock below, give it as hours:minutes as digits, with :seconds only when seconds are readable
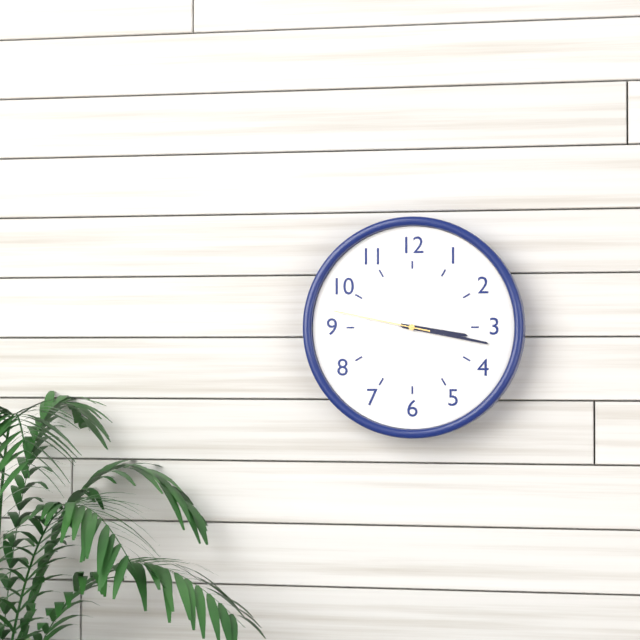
3:17:47
